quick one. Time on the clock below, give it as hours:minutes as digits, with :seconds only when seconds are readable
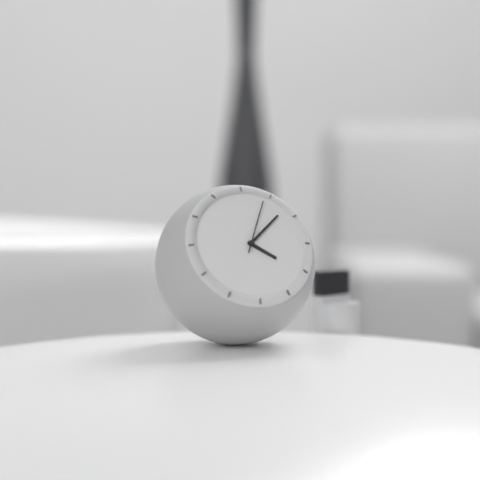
4:08:04
